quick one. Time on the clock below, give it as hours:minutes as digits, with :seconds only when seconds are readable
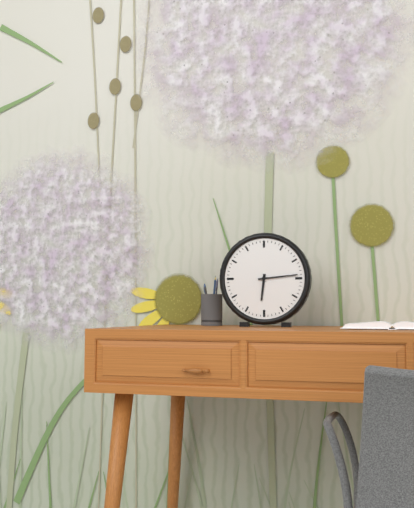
6:14
